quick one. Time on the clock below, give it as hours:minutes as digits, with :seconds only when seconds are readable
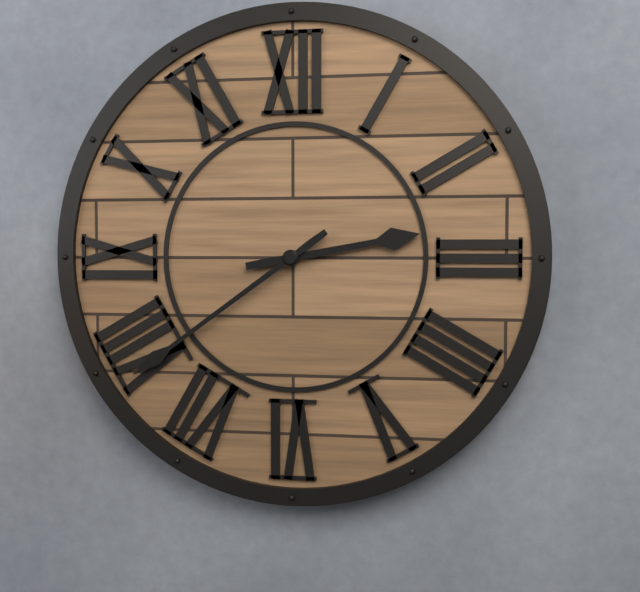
2:39
